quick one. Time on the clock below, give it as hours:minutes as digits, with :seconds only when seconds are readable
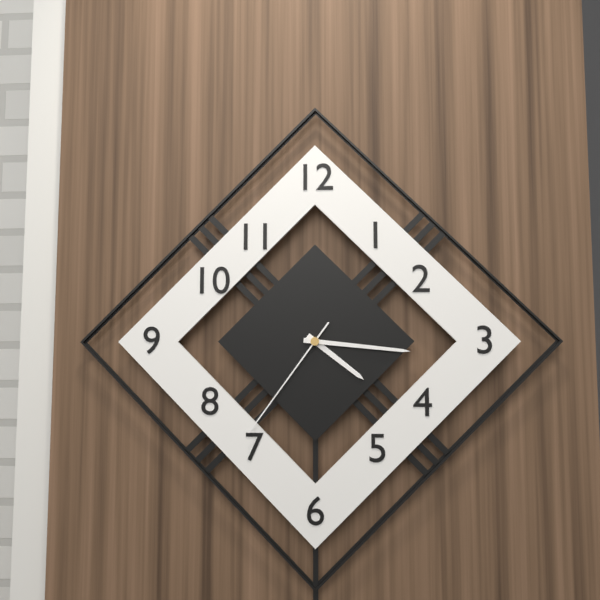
4:16:36
